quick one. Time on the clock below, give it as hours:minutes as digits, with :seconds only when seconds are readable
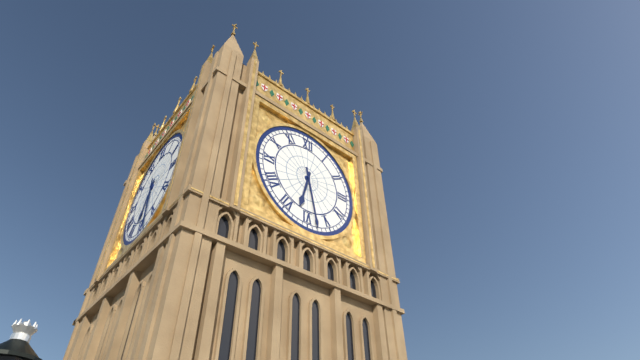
6:28
